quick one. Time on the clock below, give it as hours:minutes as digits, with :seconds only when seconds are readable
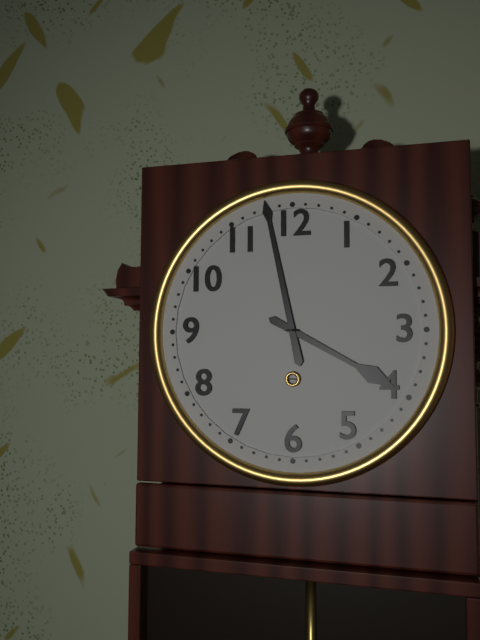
3:58
